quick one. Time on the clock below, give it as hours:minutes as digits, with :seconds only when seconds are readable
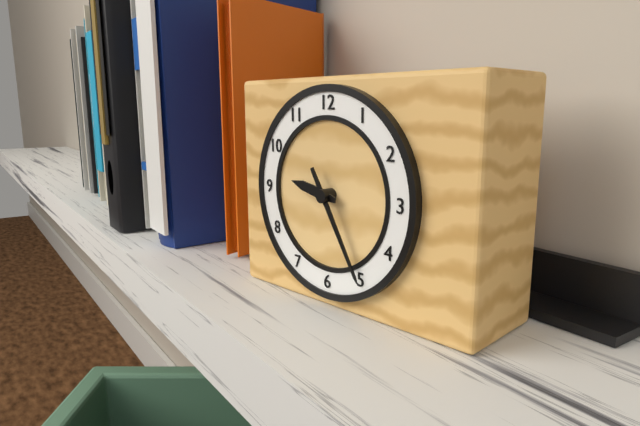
9:25
